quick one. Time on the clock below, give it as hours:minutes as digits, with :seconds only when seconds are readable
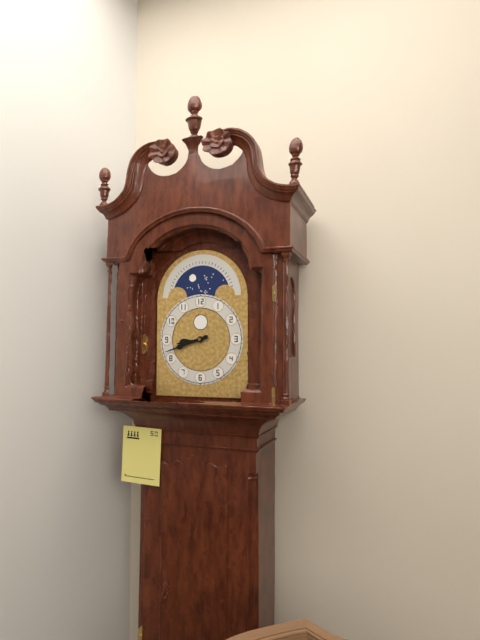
8:42
